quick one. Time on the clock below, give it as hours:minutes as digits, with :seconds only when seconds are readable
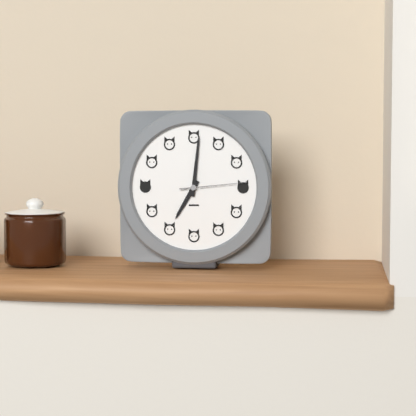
7:01:14
